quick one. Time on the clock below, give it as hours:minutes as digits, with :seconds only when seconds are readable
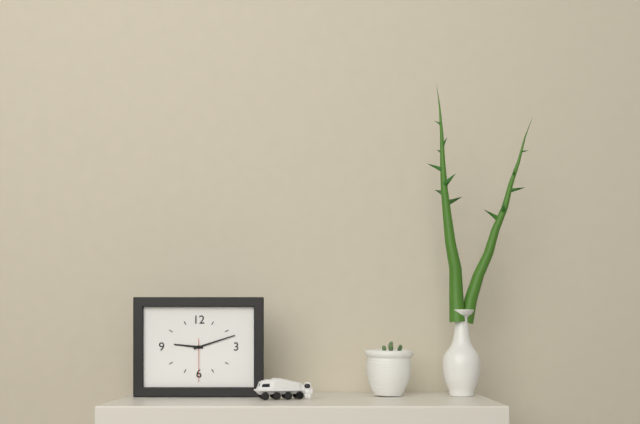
9:12
